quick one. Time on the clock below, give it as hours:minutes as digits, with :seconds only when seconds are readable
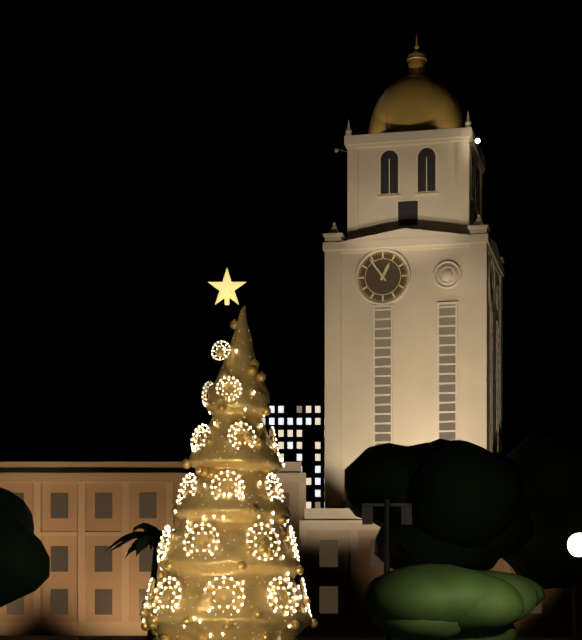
12:54
